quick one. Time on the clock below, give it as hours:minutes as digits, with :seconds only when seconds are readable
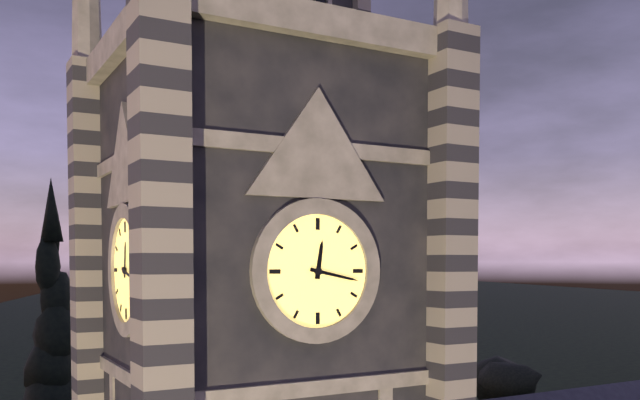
12:17
